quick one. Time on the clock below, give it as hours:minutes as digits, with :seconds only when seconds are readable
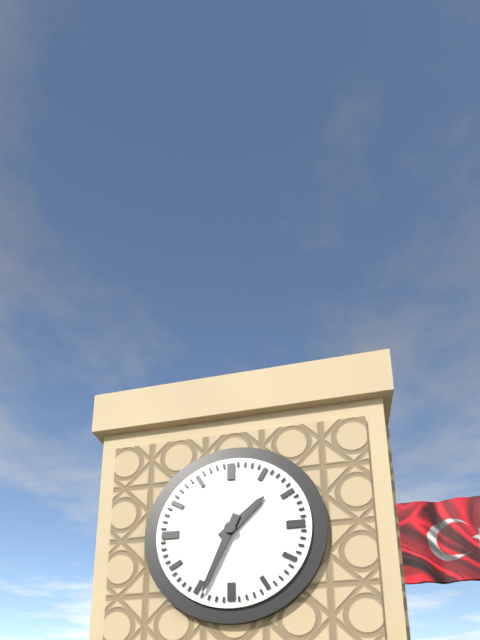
1:34
